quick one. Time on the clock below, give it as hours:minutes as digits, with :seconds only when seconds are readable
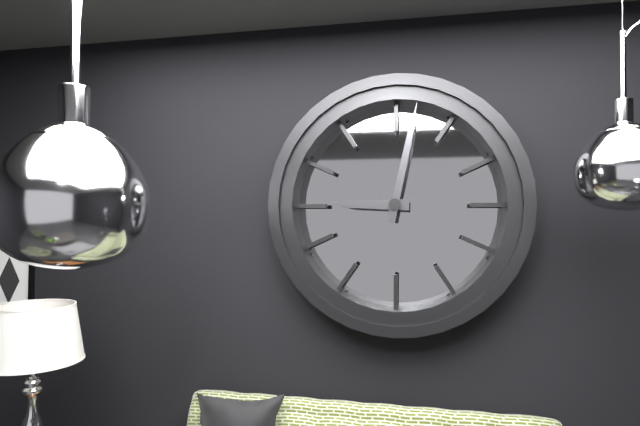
9:02
